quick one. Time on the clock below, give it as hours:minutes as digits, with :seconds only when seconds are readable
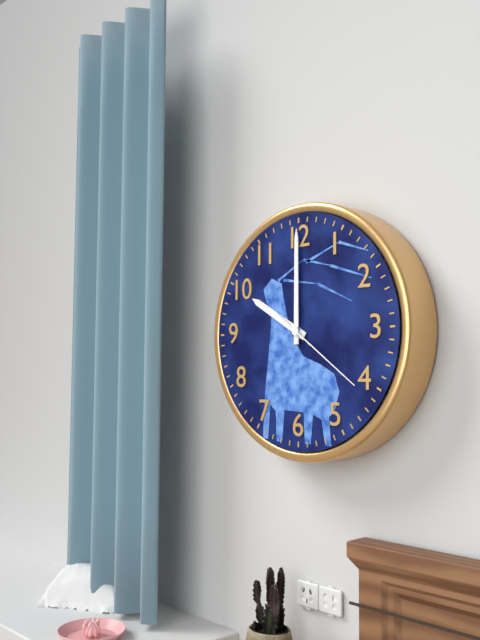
10:00:21
